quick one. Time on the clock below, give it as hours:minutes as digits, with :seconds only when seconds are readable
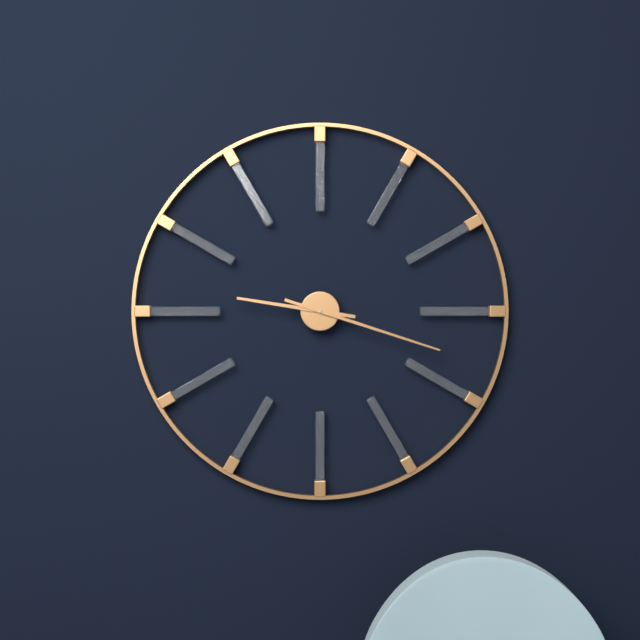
9:18
